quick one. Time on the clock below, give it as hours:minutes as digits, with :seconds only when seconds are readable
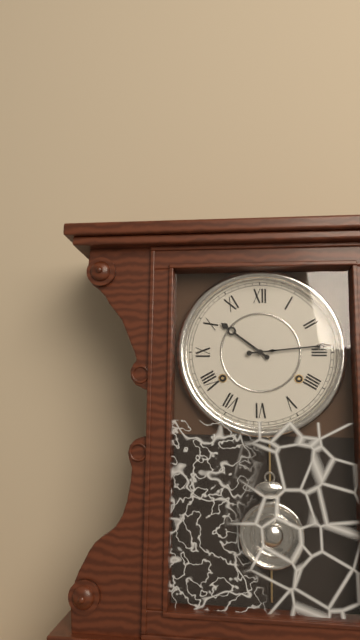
10:14
